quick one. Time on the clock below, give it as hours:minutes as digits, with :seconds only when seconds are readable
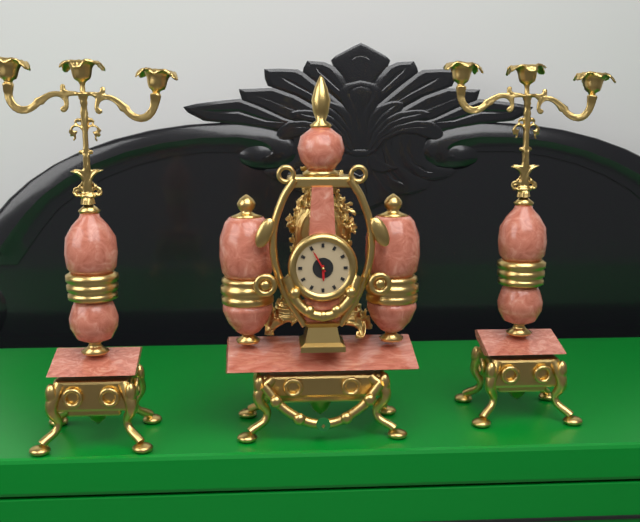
5:55
